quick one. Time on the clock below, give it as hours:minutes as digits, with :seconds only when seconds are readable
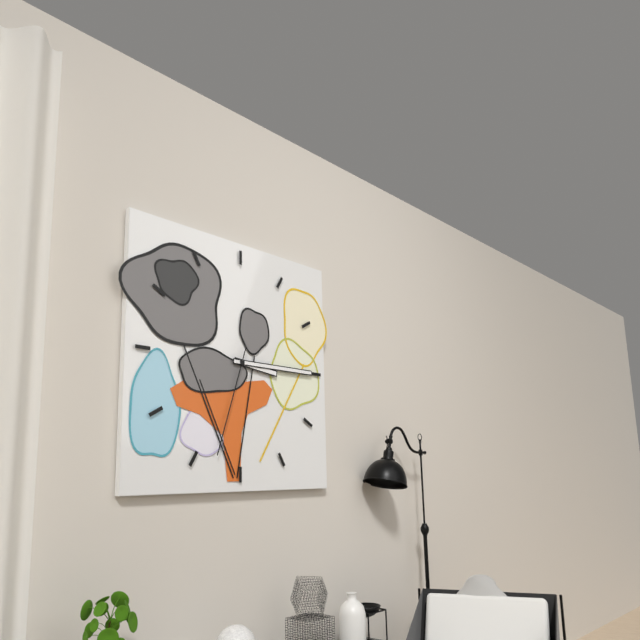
3:15:33
